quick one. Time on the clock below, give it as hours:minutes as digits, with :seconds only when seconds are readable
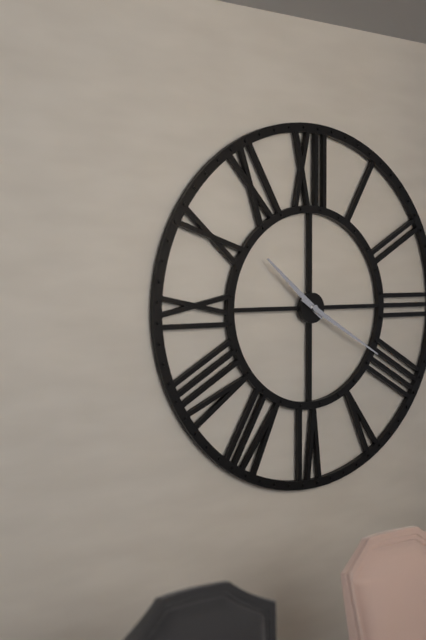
10:20
